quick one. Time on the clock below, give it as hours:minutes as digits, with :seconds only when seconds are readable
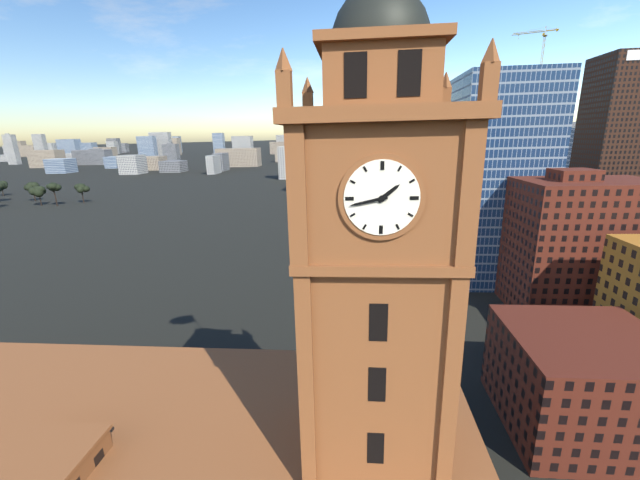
1:43
